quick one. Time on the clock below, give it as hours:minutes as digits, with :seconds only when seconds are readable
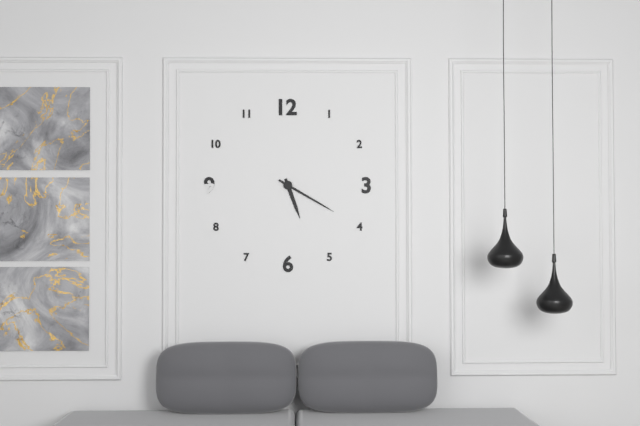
5:20
